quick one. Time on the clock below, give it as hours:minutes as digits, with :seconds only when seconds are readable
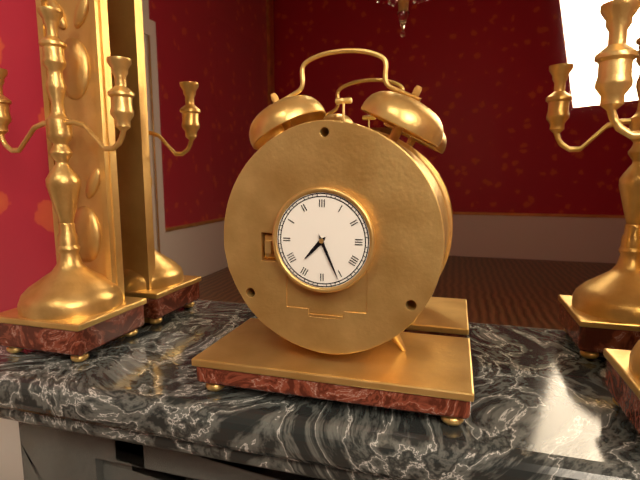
7:26
